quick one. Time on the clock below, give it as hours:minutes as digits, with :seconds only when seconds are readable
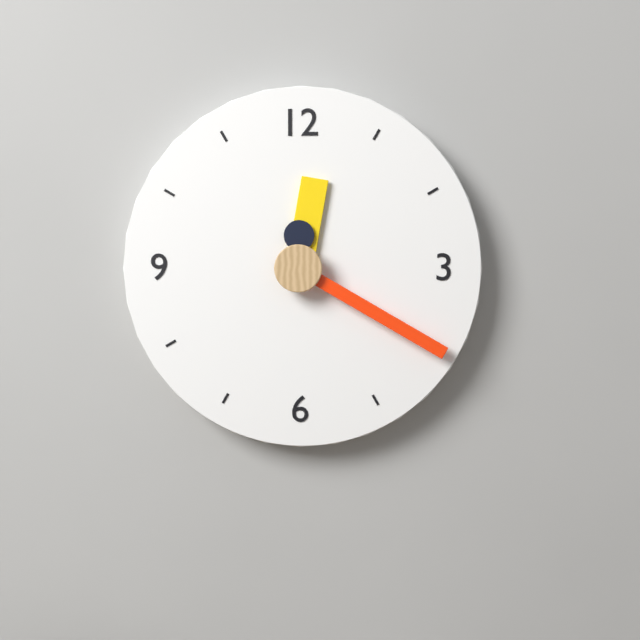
12:20
